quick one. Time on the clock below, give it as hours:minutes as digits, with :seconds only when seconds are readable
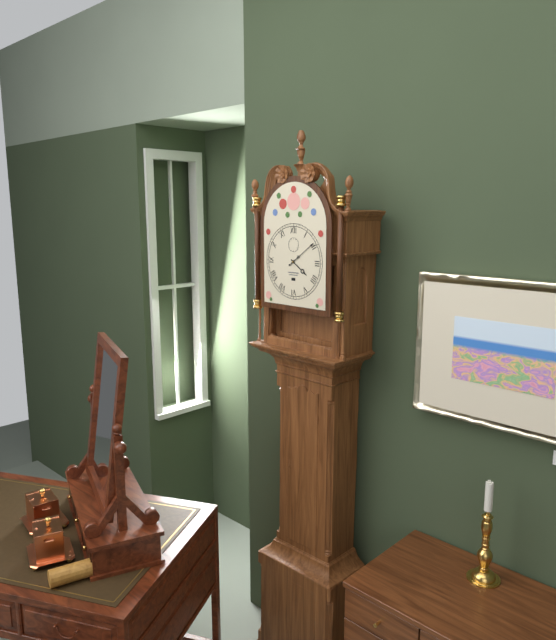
4:09
